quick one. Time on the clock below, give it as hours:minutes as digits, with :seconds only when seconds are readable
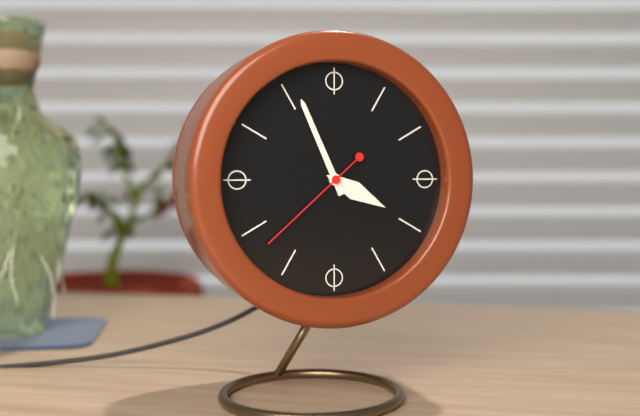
3:56:38
